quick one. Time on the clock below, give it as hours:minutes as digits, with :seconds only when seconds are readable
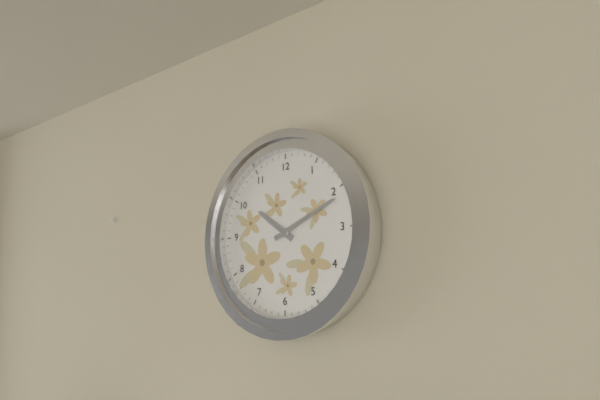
10:11
